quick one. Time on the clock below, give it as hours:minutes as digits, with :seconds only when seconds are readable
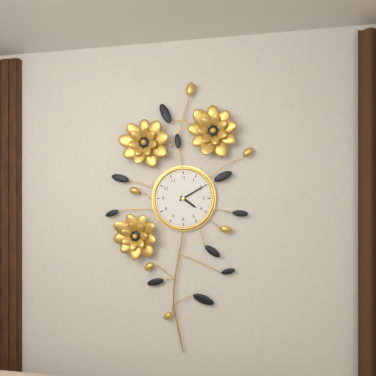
4:10
